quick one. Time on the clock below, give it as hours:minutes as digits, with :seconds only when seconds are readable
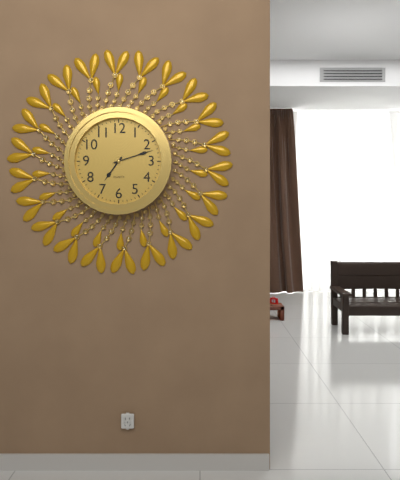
7:12
